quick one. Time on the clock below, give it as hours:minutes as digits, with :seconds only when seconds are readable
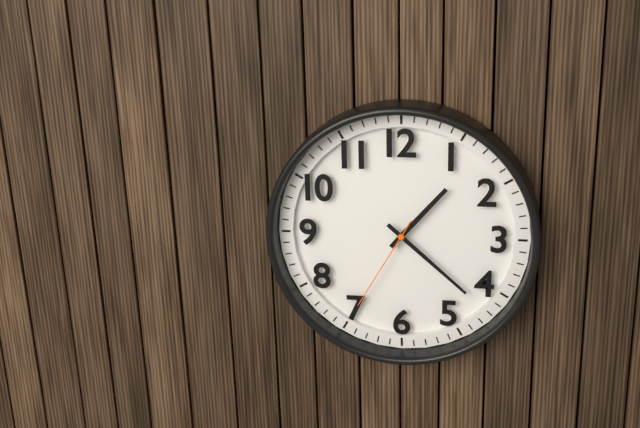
1:22:35
